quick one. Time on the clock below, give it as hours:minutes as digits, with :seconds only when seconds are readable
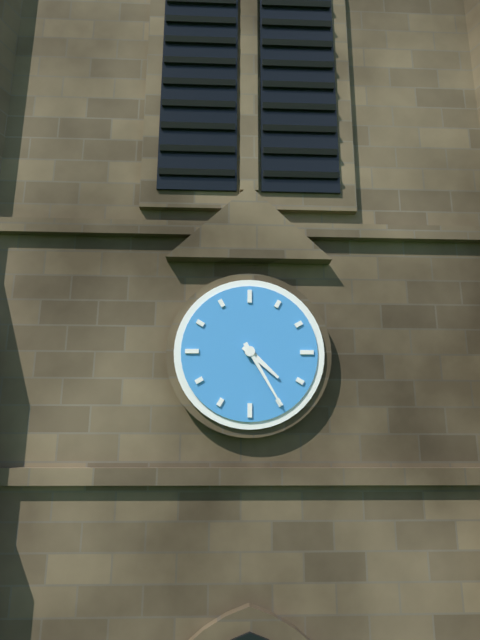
4:25
